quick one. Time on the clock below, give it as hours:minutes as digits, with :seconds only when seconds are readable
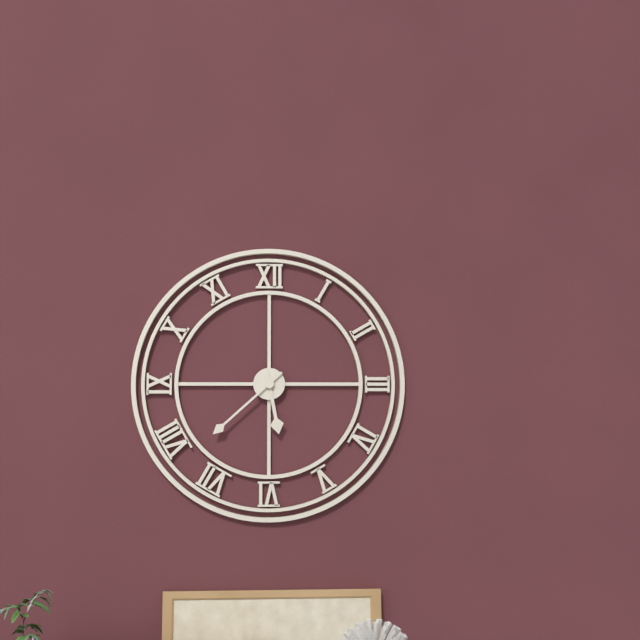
5:38
